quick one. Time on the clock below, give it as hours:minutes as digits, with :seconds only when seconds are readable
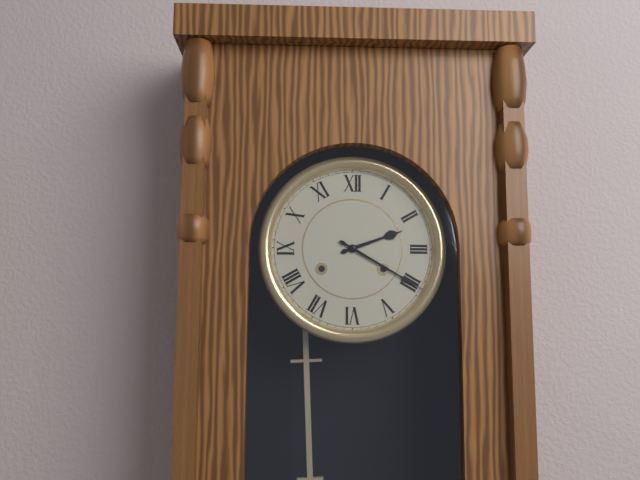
2:20
